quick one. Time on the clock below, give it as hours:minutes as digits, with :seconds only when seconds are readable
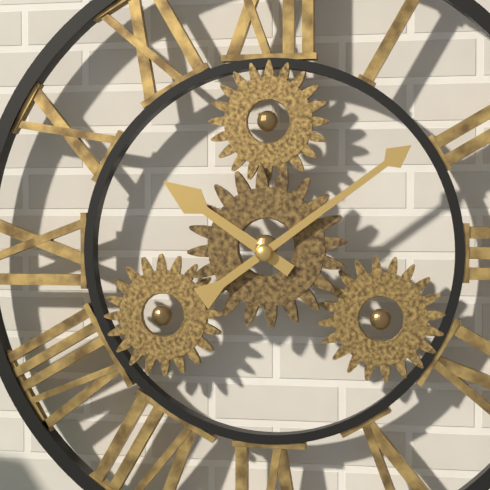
10:09
